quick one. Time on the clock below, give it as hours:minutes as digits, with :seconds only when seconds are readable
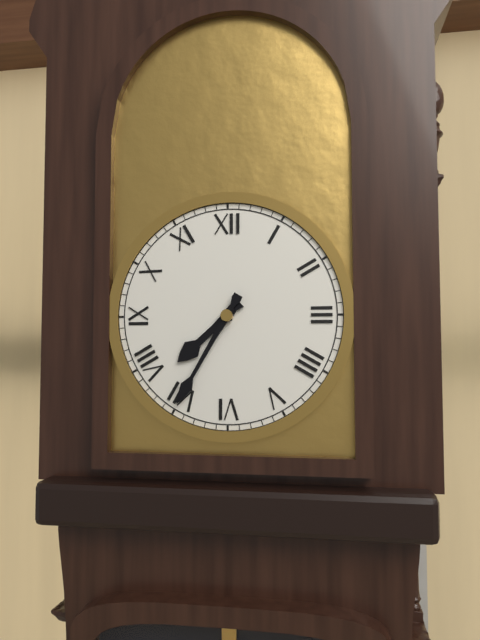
7:35
